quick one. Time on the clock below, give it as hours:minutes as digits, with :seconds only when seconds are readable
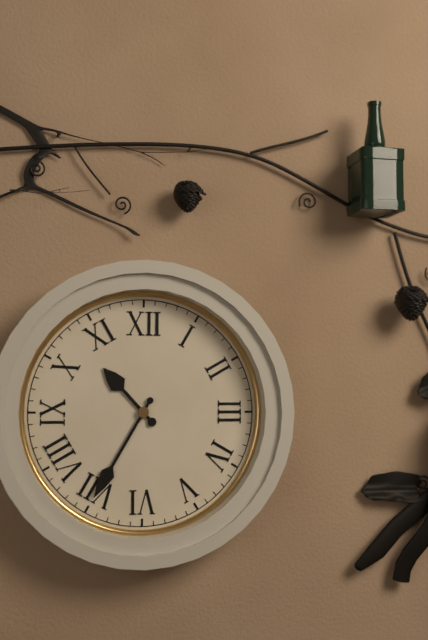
10:35
